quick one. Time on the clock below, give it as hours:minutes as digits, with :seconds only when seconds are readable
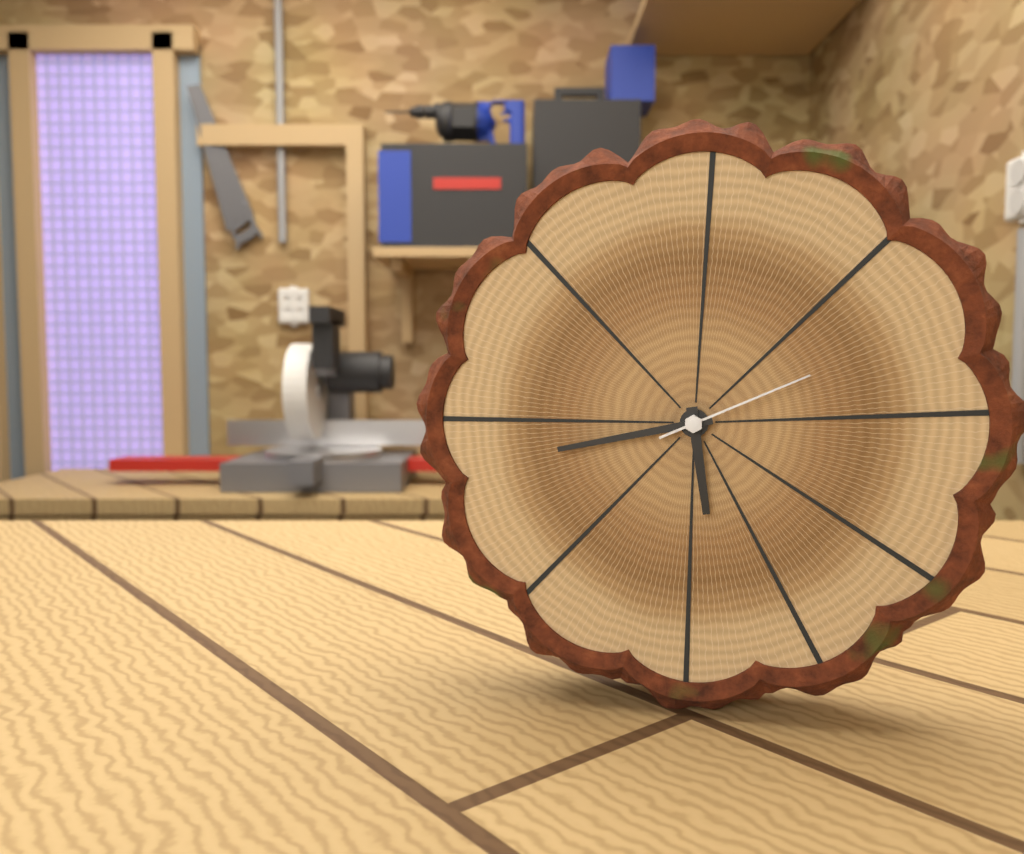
5:43:11
